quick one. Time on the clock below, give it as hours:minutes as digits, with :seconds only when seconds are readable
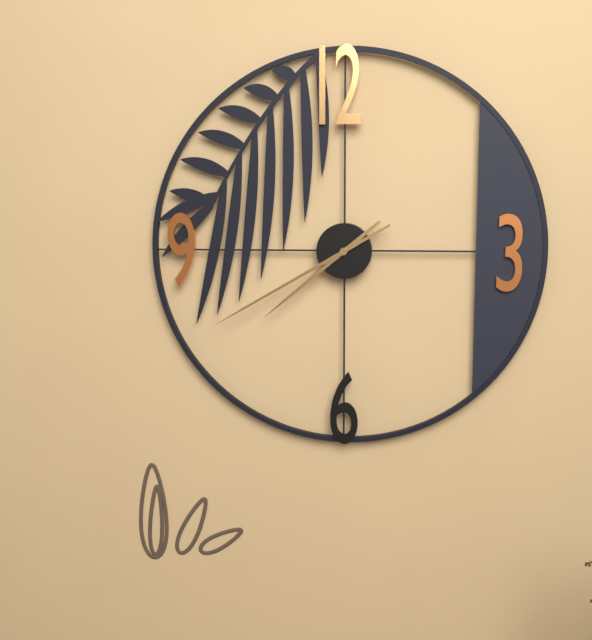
7:40
